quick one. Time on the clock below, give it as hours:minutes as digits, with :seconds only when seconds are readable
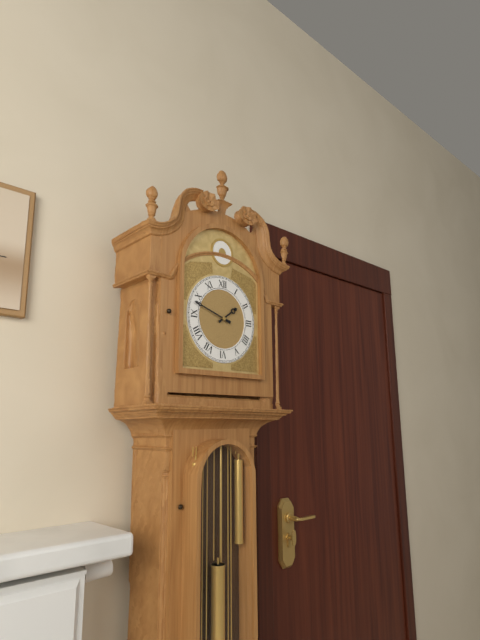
1:48
